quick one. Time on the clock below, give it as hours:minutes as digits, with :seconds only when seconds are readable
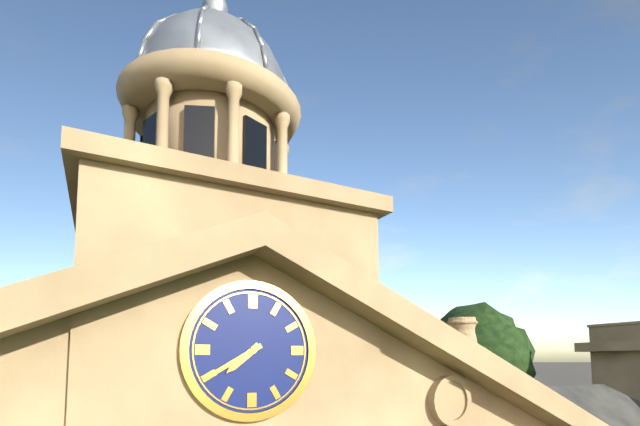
7:40
